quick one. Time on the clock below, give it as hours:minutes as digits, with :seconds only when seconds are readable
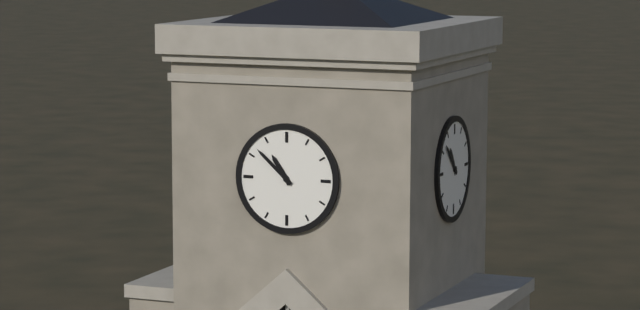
10:52
